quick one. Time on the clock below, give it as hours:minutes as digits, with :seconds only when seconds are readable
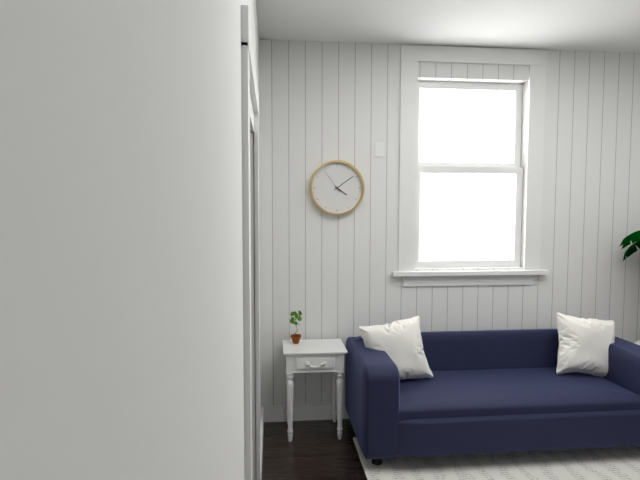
4:09
